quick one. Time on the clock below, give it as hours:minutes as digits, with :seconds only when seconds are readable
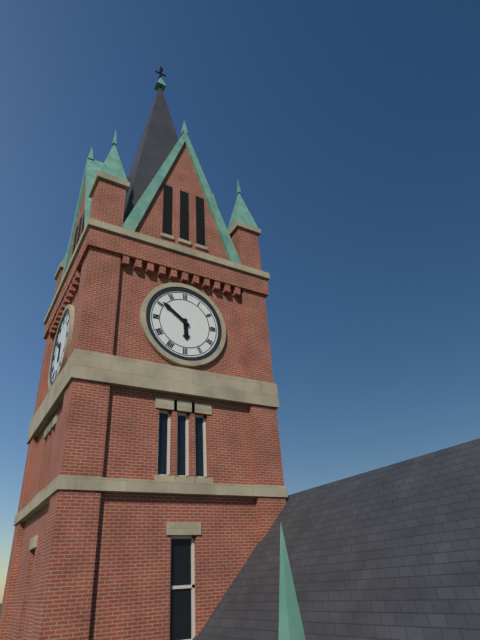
5:51
